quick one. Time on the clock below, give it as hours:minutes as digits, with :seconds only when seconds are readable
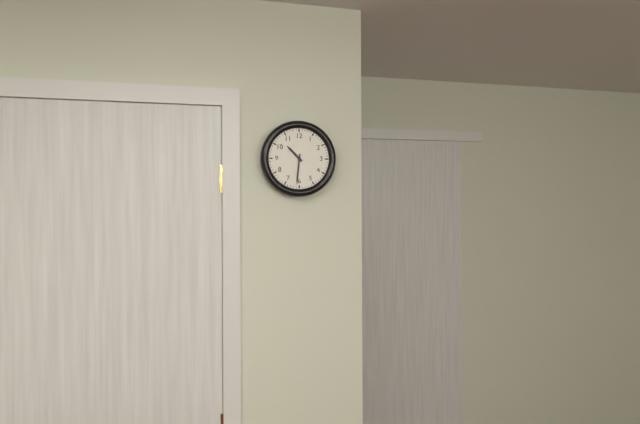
10:31
